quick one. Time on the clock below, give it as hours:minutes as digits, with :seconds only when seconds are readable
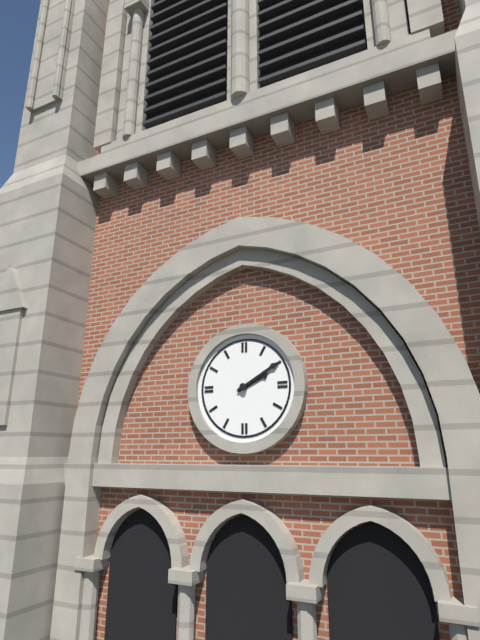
2:10
